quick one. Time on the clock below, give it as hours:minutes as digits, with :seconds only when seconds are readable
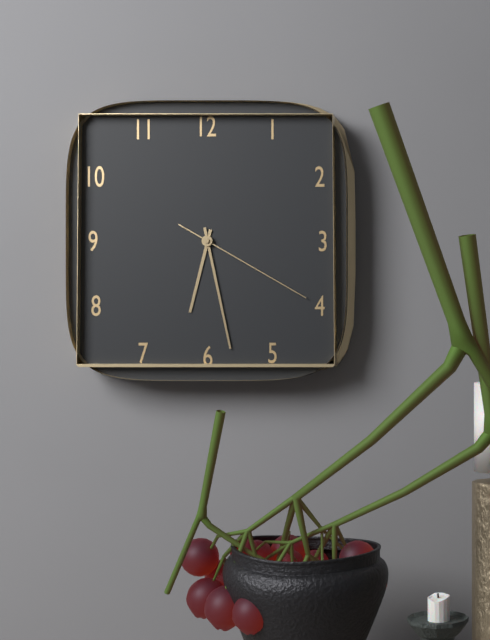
6:28:20
